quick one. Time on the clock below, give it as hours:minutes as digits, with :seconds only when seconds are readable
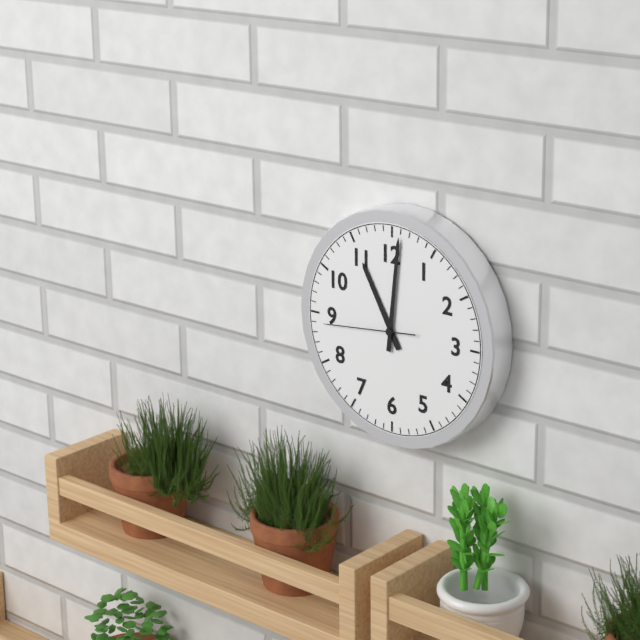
11:01:44
